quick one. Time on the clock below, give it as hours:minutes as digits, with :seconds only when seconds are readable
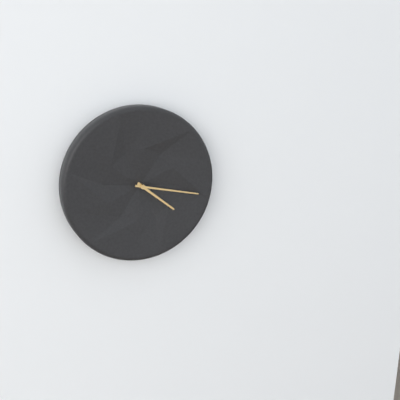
4:17
